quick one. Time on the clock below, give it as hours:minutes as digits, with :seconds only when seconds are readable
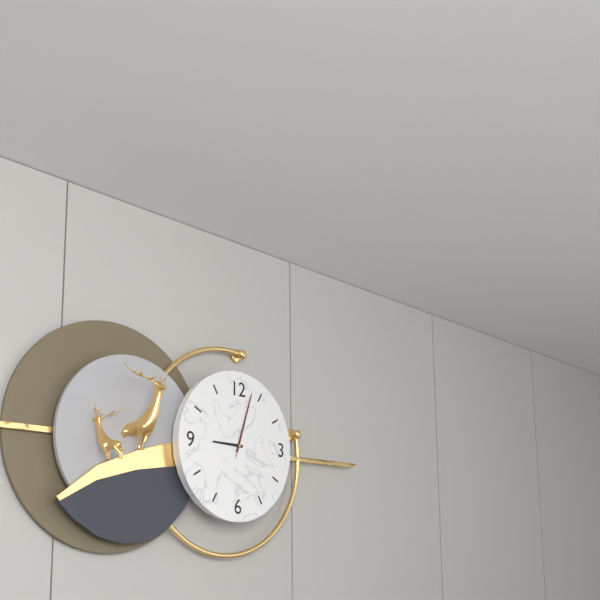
9:03:03
